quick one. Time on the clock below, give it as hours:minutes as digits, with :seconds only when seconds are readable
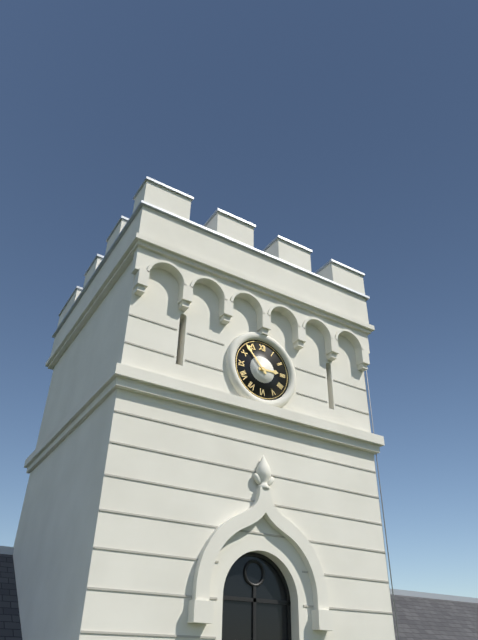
2:53
